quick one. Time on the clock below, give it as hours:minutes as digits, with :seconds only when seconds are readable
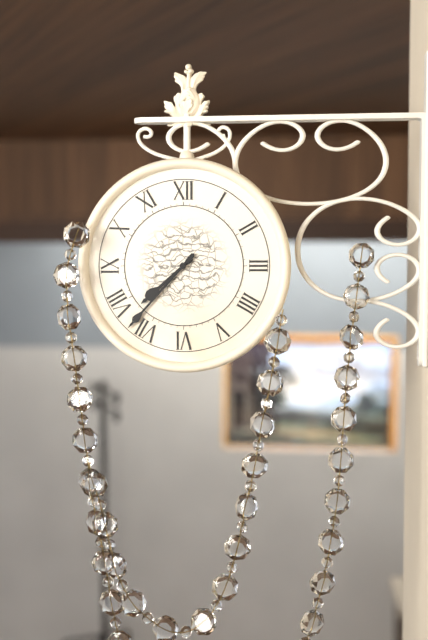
7:37
